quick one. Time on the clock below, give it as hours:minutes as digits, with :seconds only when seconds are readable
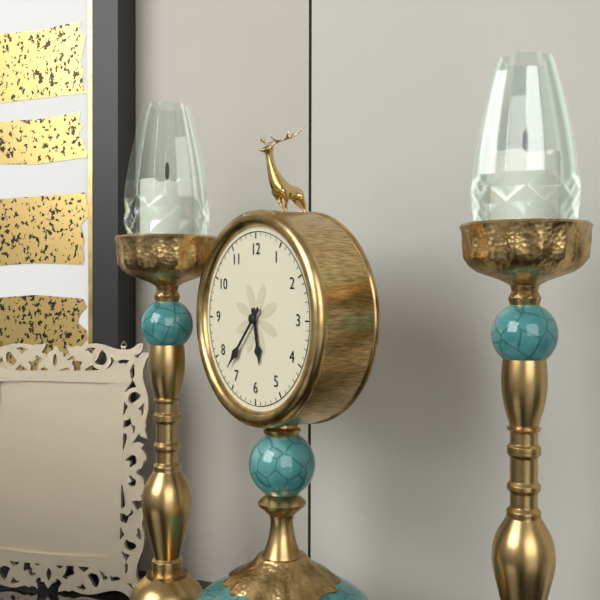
5:37
